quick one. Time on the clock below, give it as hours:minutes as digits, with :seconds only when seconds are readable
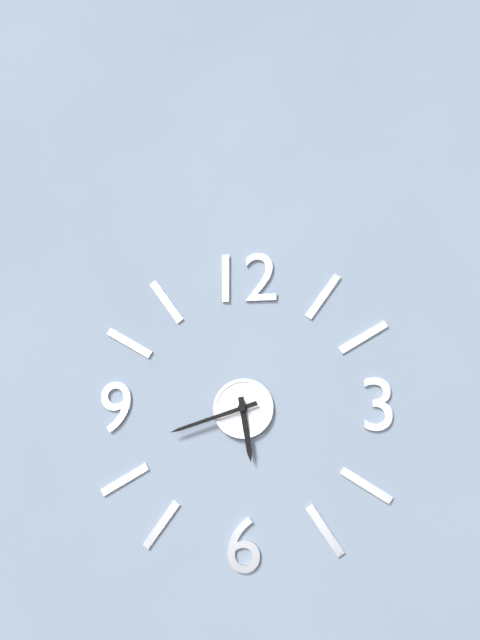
5:42
